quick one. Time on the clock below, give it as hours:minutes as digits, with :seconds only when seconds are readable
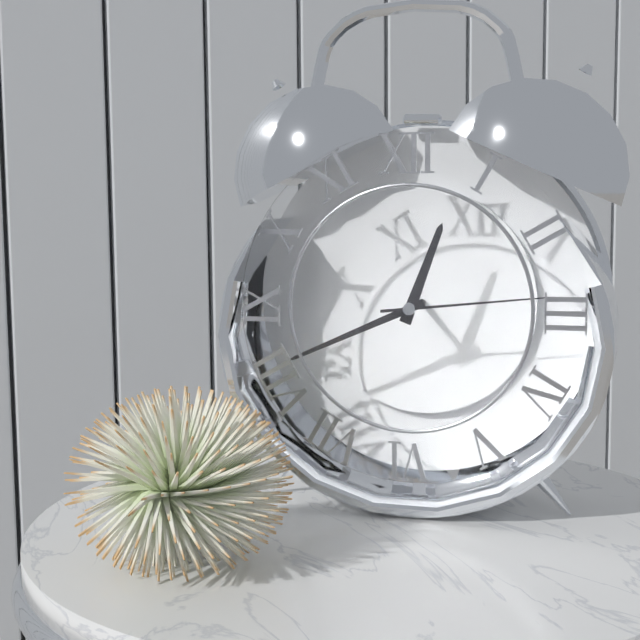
12:41:14
